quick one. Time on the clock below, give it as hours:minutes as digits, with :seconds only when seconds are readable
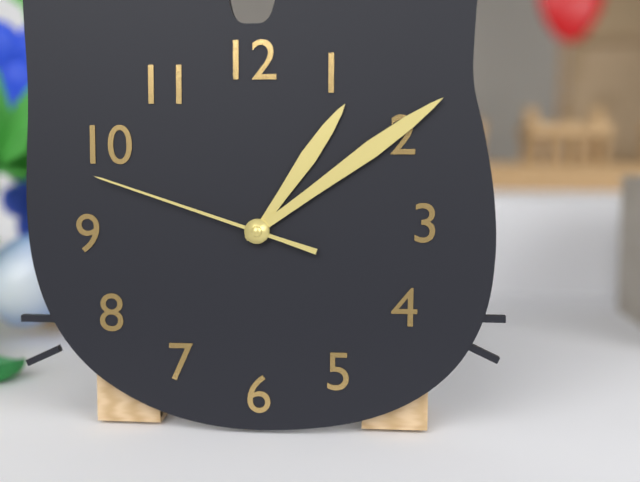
1:09:48
